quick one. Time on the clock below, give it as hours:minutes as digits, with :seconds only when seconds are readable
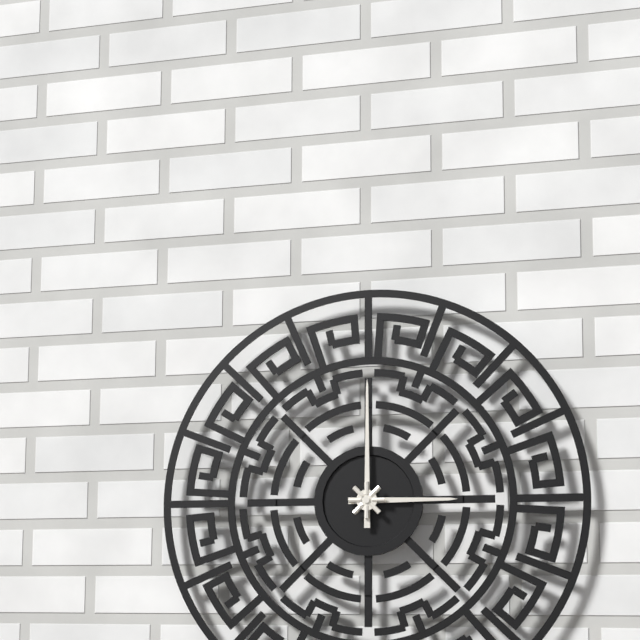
3:00
